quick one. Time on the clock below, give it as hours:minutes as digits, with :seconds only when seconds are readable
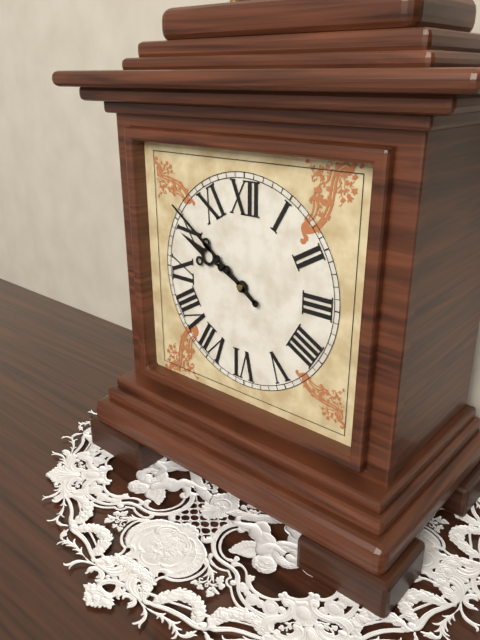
9:51
